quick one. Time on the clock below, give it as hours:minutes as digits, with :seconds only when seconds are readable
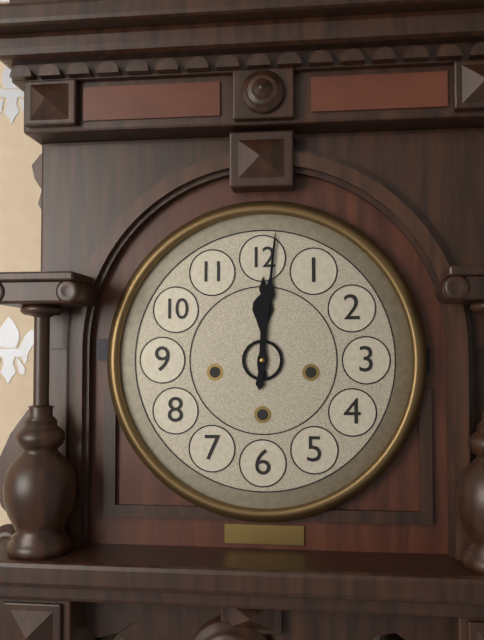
12:01
